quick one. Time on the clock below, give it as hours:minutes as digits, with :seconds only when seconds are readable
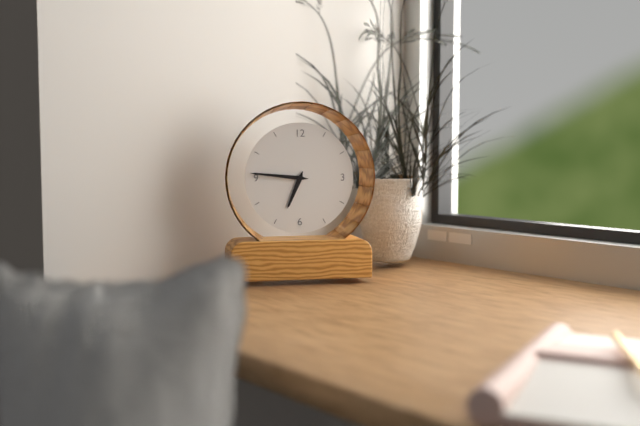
6:46
